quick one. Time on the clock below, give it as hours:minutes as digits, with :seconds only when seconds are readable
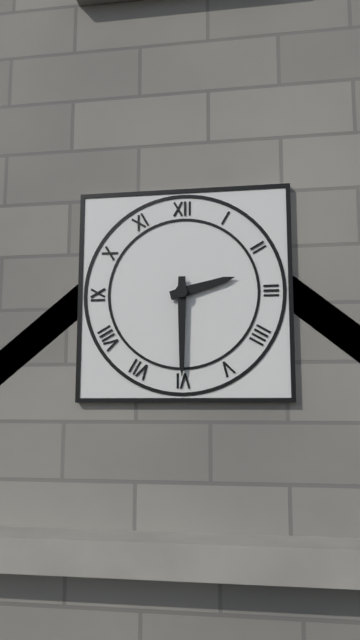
2:30
